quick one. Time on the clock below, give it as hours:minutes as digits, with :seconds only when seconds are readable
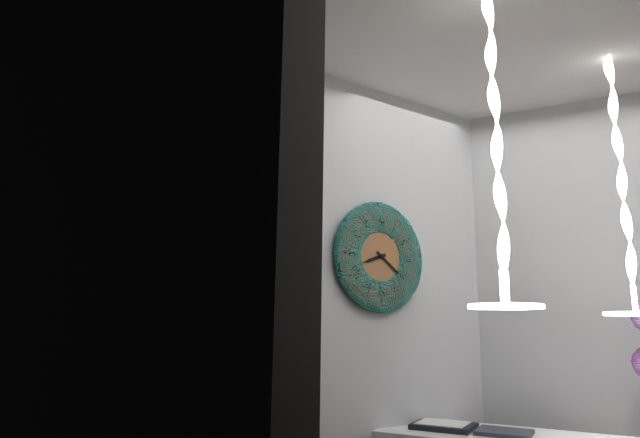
8:21
